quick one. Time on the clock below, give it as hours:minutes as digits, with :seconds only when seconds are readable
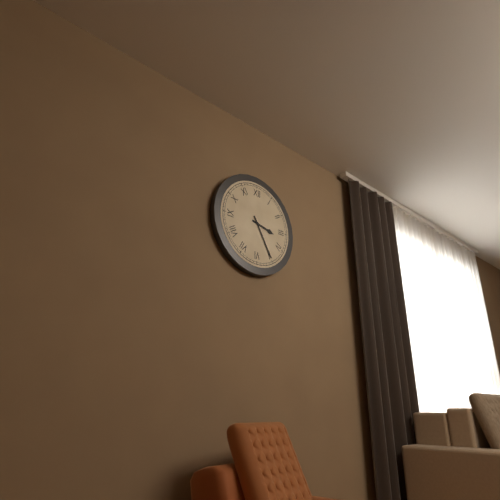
3:25
